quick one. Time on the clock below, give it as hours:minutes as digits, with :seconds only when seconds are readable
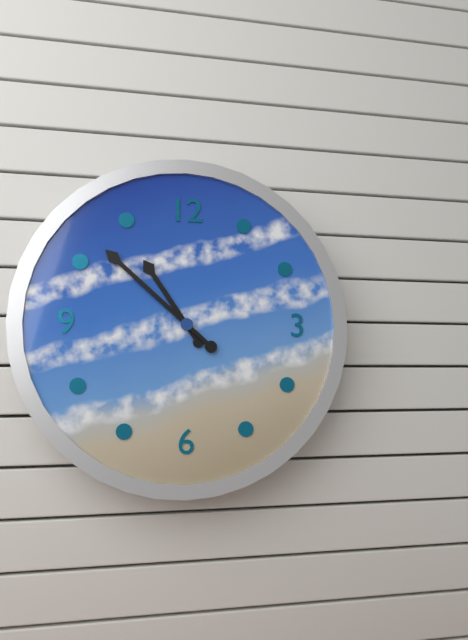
10:52
